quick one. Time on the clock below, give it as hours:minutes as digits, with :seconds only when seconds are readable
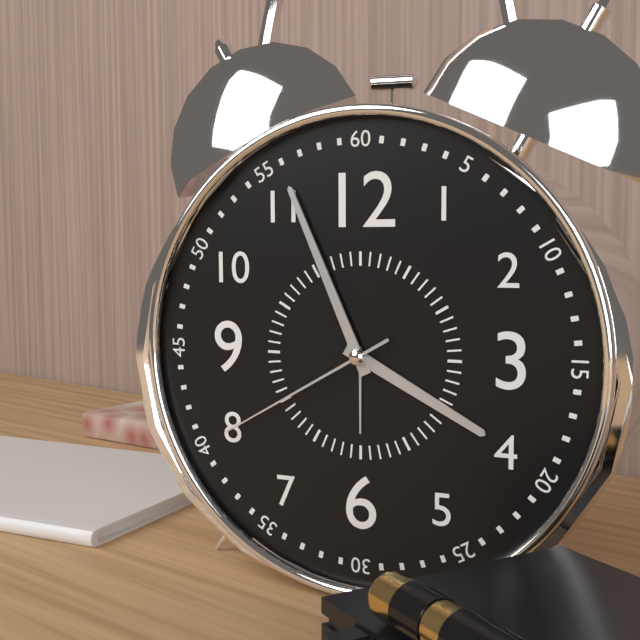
3:56:40
